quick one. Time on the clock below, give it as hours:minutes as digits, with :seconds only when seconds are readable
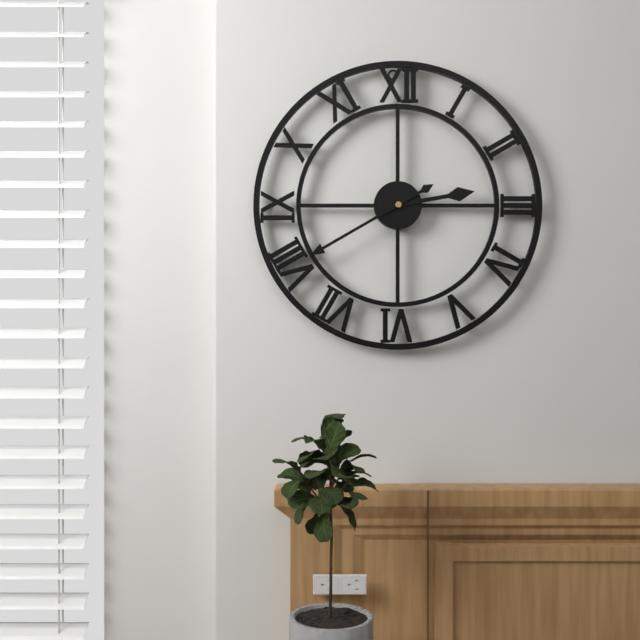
2:40
